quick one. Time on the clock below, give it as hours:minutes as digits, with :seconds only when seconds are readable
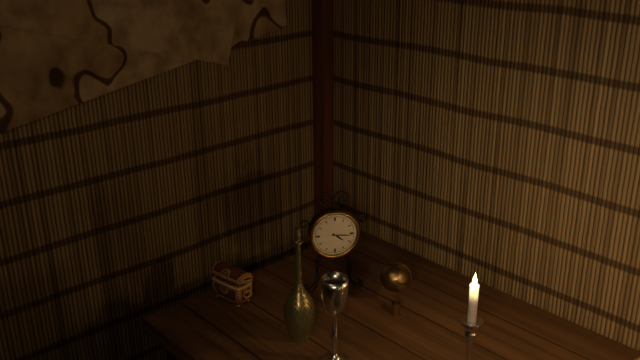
4:16
